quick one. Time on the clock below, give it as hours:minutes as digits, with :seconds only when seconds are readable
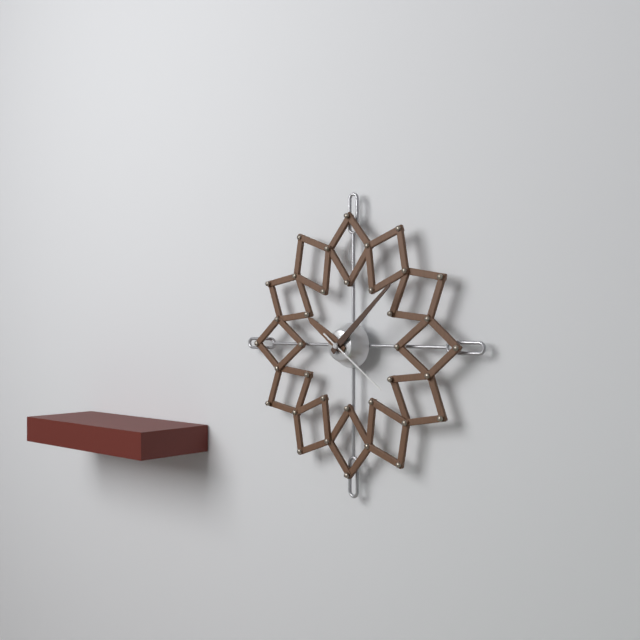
10:08:21
